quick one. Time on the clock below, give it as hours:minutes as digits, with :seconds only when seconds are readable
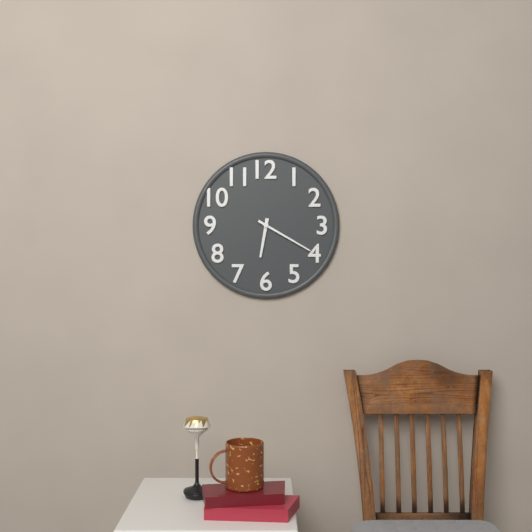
6:20
